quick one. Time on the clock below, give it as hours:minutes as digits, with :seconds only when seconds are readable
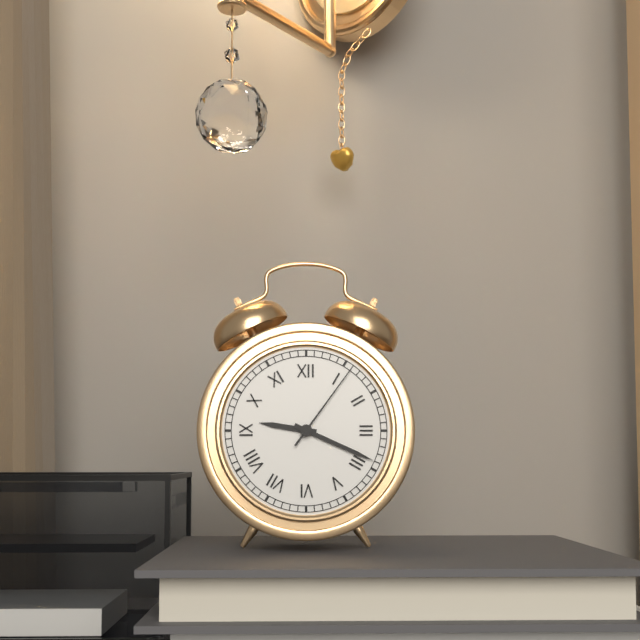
9:19:06
